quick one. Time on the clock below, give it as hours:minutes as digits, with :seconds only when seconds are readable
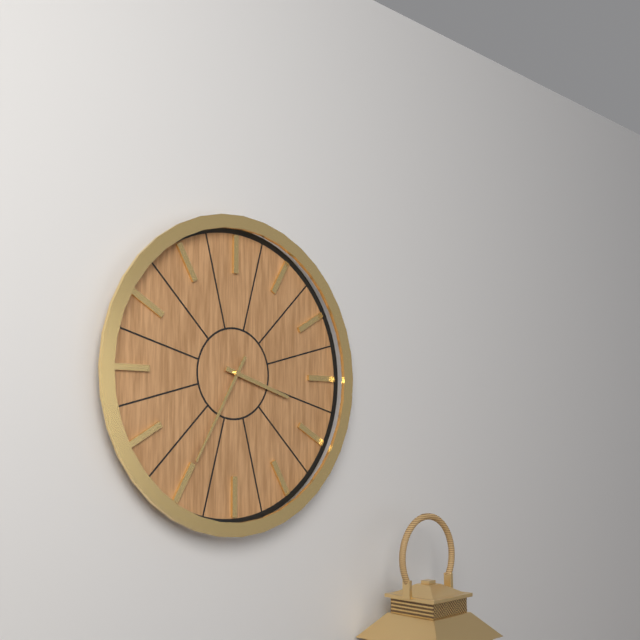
3:35
